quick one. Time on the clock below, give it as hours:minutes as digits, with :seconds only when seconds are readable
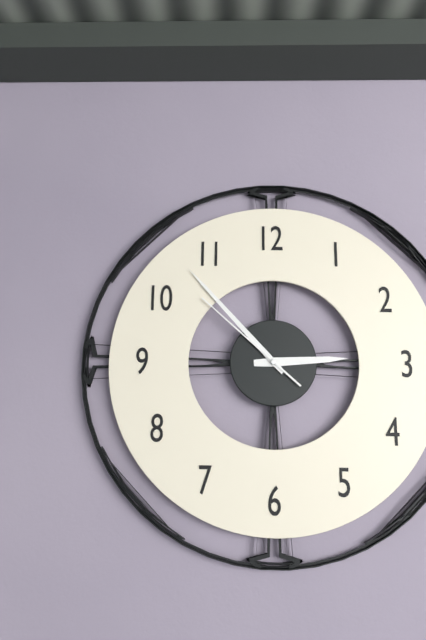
2:53:52
